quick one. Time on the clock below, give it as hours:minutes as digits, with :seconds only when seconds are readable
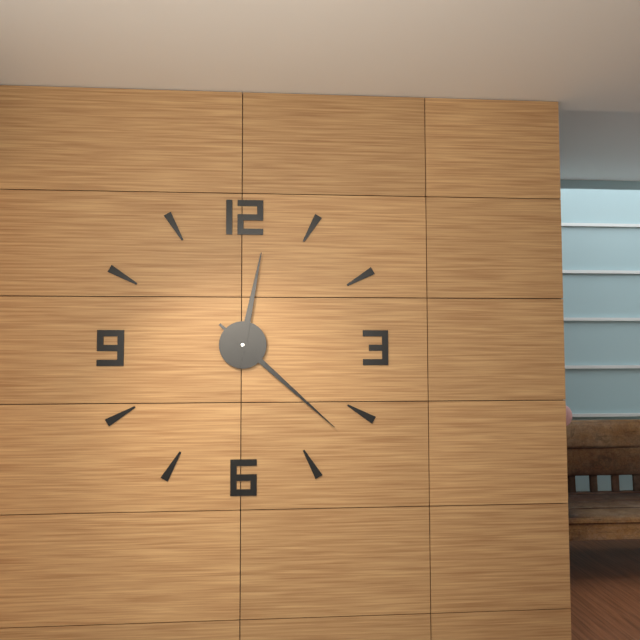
12:22
